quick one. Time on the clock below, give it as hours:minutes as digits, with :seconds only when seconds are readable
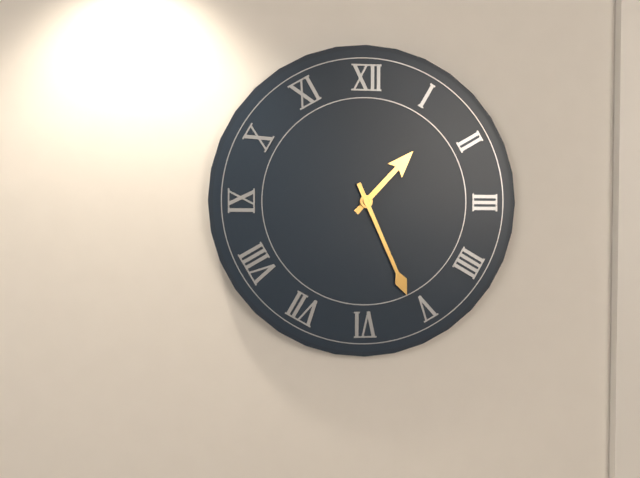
1:26
